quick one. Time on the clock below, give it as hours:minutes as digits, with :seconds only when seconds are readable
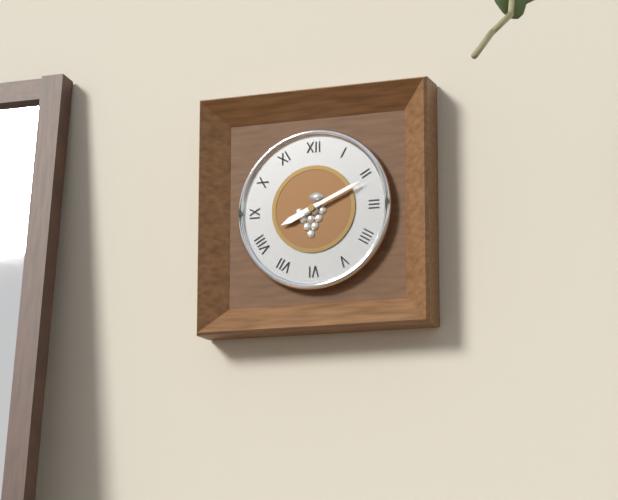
8:11
